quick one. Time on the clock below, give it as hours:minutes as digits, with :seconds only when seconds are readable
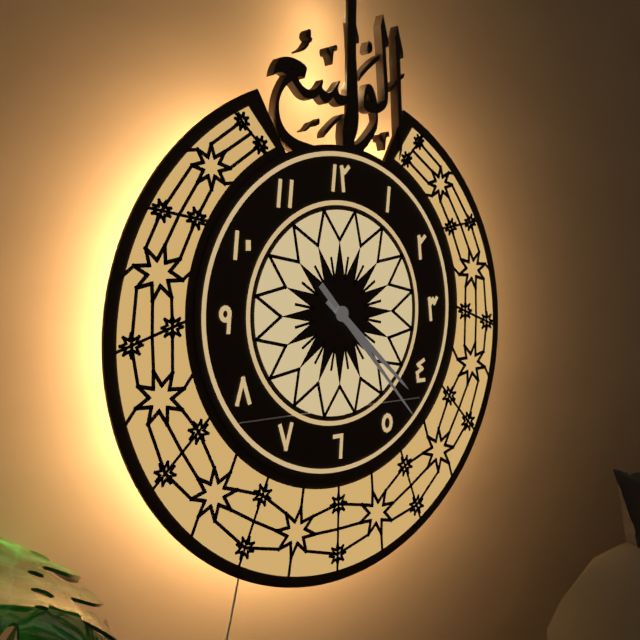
4:23
